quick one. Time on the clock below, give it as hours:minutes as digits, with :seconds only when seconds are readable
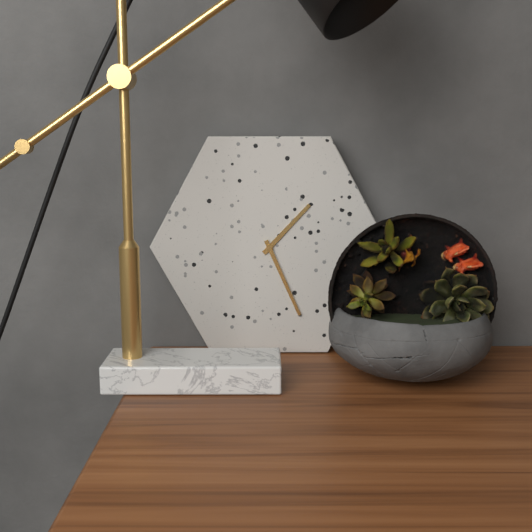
1:26
